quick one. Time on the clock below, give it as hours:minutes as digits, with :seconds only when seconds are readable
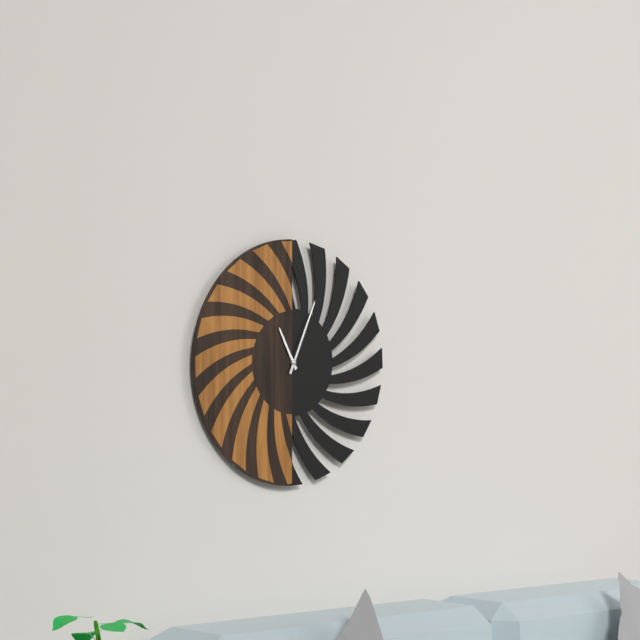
11:04
